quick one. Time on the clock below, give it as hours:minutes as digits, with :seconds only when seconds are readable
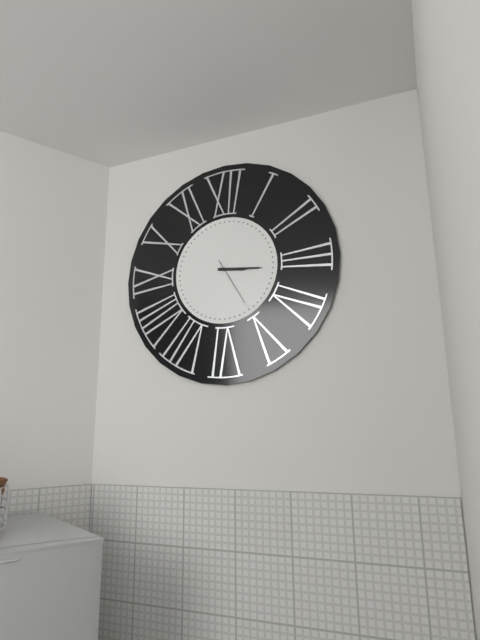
3:16
